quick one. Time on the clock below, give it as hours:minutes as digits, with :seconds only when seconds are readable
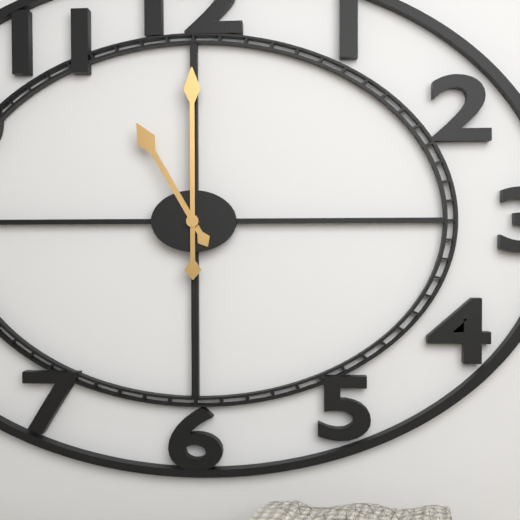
11:00
